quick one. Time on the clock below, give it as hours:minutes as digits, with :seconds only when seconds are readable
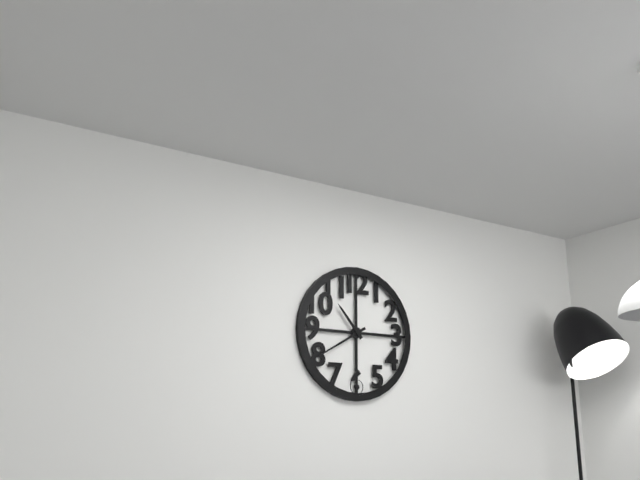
10:40
